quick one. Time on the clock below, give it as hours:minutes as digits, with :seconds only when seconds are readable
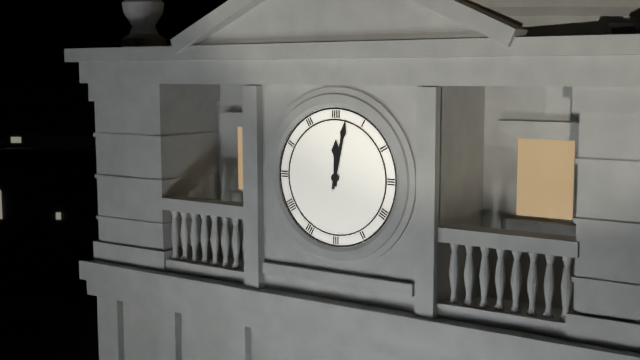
12:02
